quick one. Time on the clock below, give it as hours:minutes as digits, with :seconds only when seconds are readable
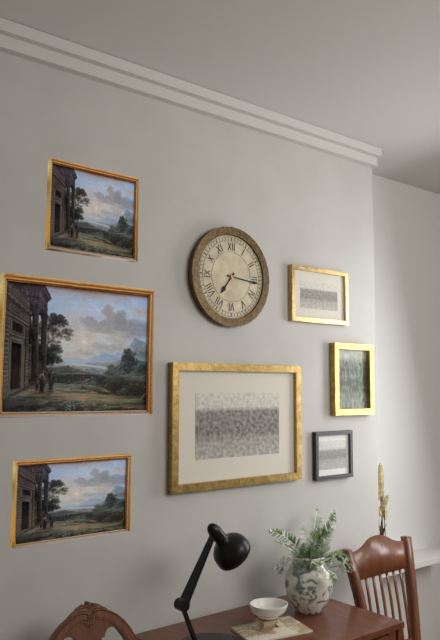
7:16
